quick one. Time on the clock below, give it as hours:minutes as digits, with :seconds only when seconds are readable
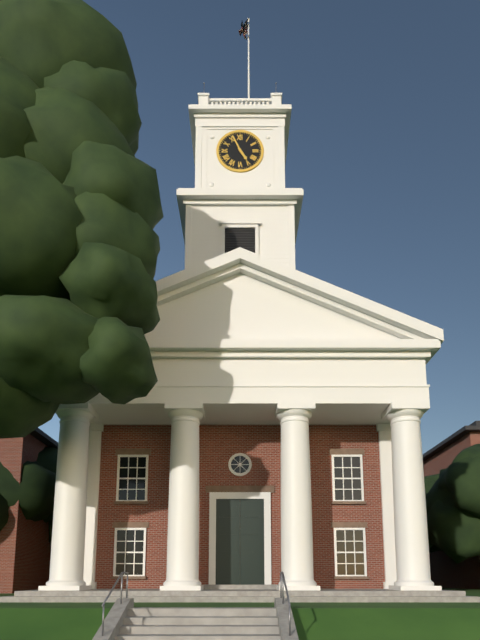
4:56
